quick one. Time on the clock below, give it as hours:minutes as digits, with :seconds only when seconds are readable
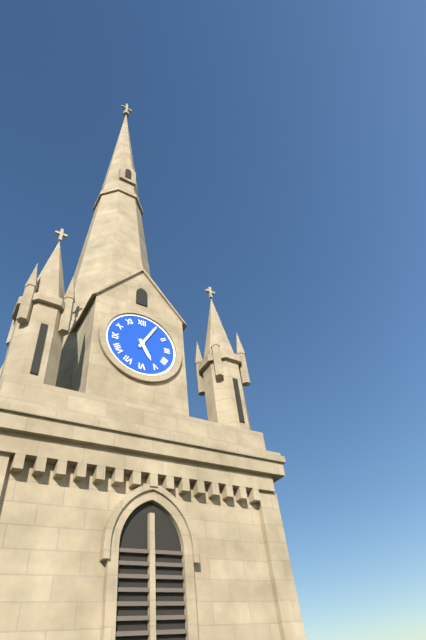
5:05
